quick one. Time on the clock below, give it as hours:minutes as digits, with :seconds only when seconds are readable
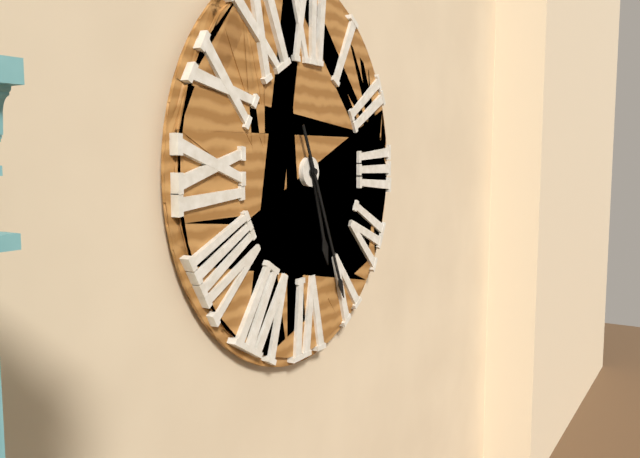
5:26
